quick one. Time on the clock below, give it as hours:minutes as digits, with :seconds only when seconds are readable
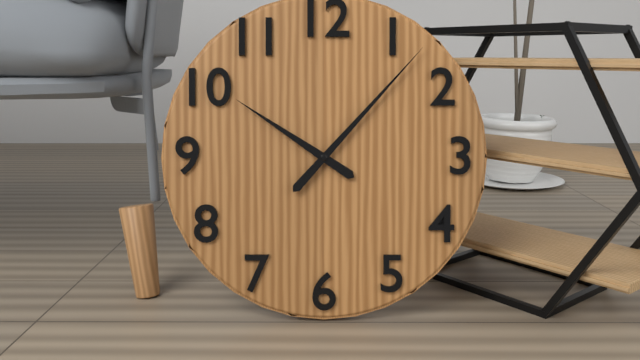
10:07
